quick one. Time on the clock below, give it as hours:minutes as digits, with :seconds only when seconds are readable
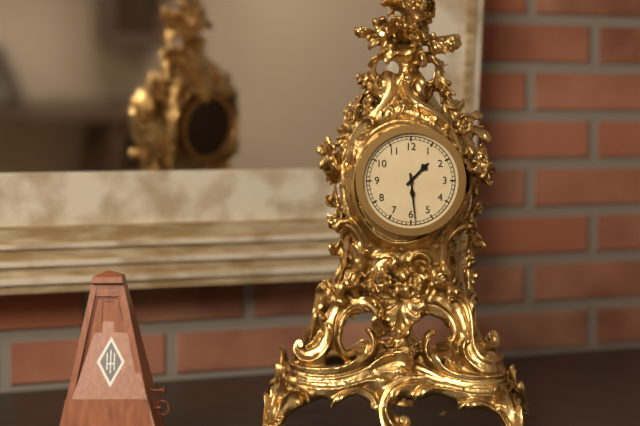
1:29
